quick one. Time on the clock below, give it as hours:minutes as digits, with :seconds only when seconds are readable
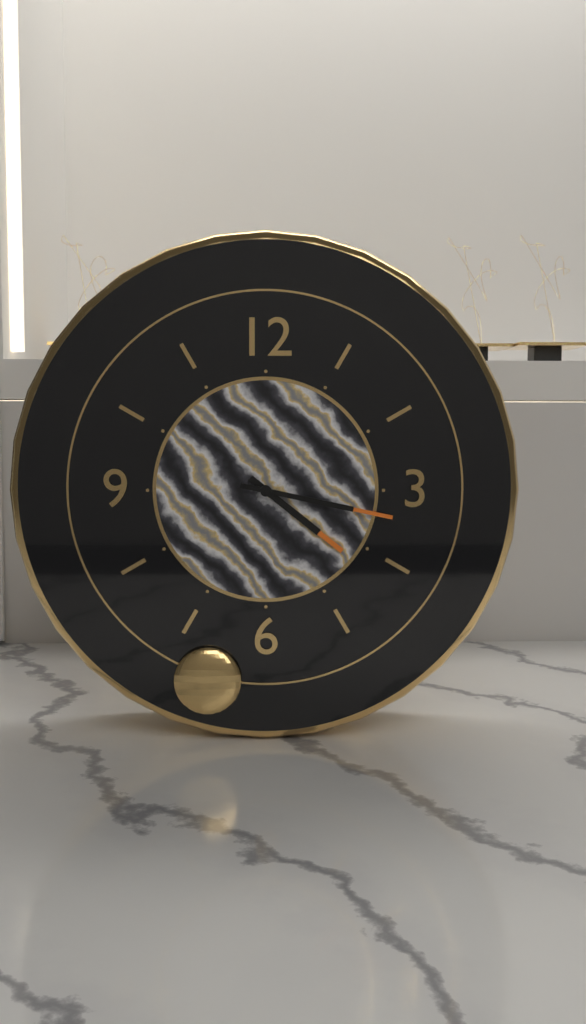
4:17
